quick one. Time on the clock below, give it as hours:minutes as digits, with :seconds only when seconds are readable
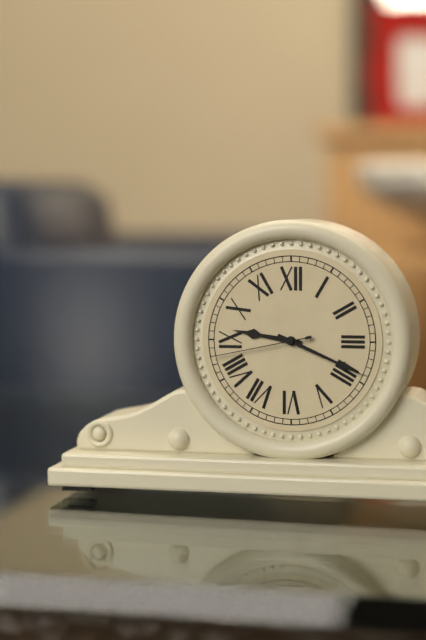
9:19:43
